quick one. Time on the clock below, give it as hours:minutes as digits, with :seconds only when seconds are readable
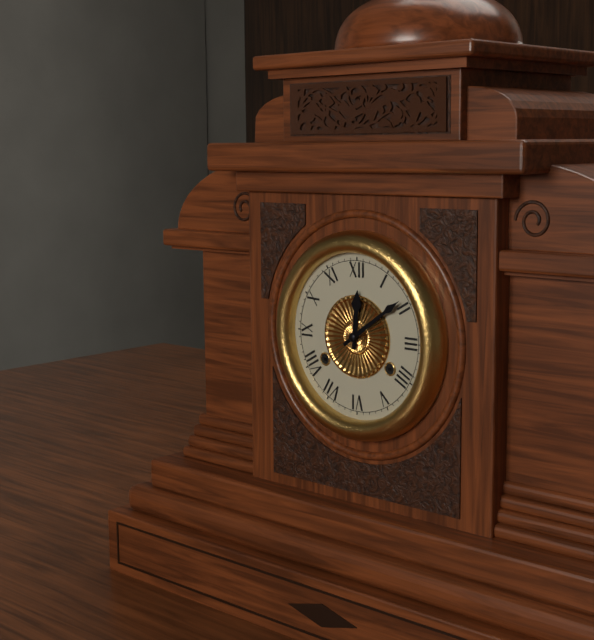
12:09
